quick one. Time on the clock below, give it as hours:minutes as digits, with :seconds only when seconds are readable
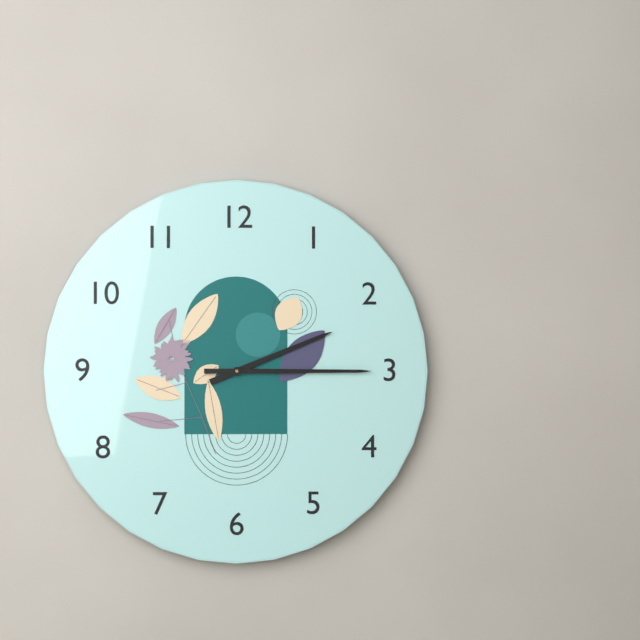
2:15
